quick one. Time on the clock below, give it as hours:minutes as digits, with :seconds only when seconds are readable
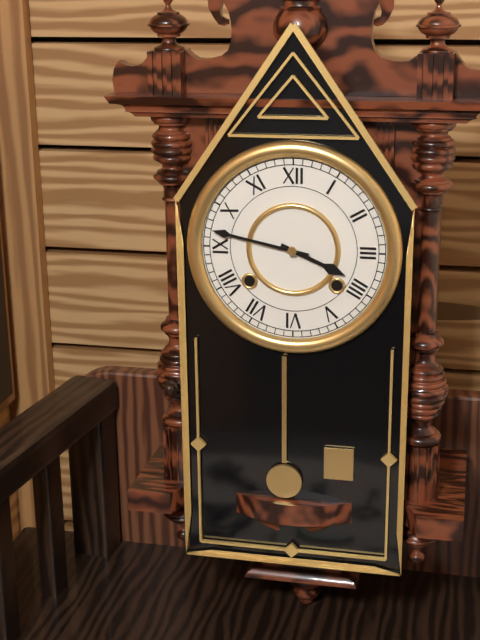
3:47
